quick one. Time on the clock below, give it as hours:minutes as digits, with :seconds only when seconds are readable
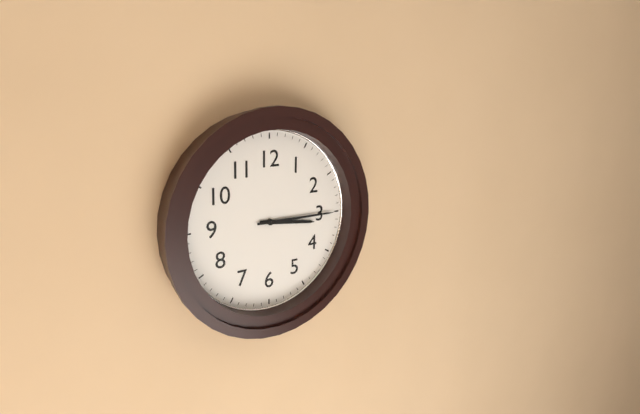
3:15
